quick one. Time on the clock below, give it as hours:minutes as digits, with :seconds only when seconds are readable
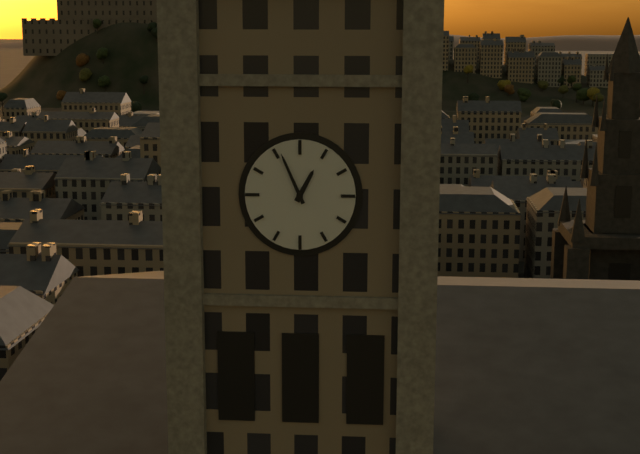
12:56
